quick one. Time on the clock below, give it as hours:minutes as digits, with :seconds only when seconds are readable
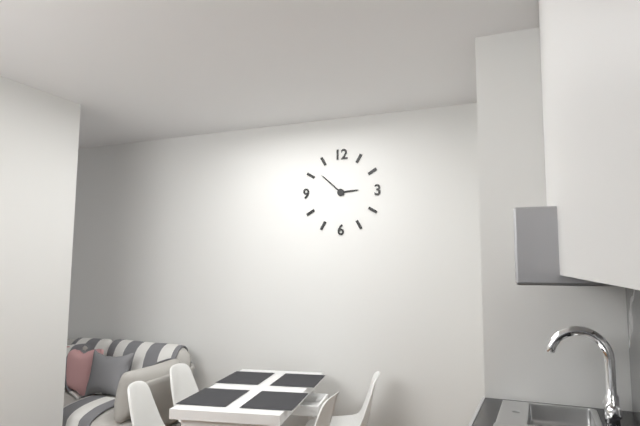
2:52
